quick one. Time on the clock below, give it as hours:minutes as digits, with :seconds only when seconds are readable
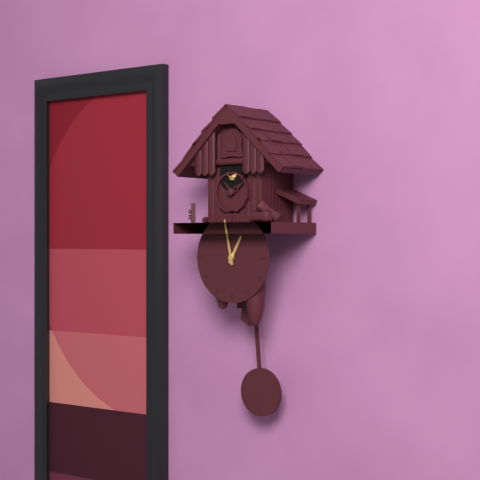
12:58
